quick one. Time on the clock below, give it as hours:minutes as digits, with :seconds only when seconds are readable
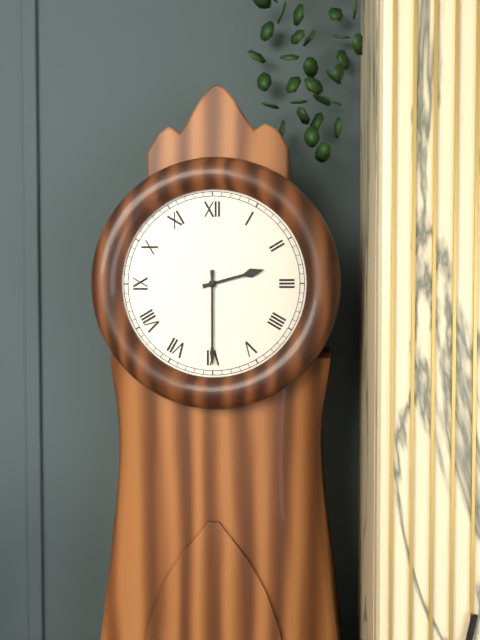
2:30
